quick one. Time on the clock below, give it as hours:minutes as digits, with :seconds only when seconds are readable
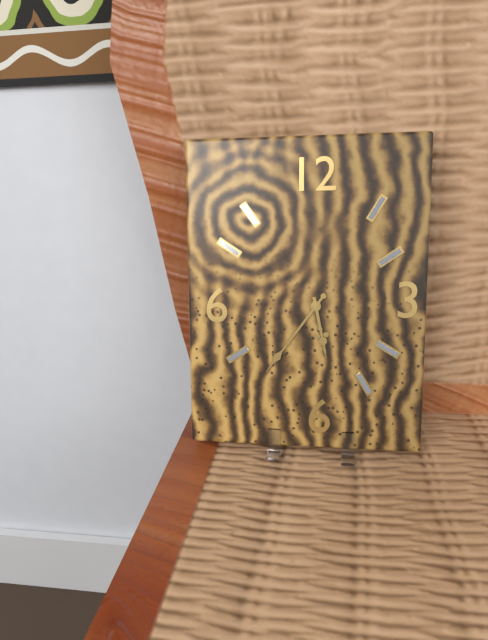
5:36
